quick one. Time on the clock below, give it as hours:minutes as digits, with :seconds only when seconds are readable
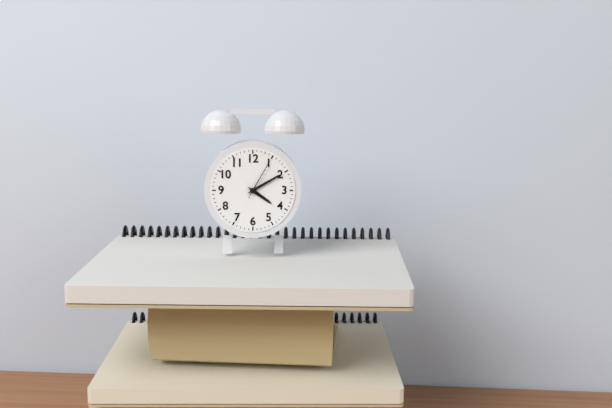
4:10
